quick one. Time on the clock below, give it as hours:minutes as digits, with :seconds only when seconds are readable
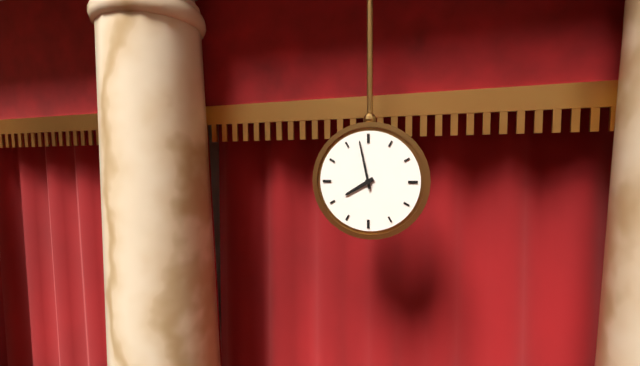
7:58
